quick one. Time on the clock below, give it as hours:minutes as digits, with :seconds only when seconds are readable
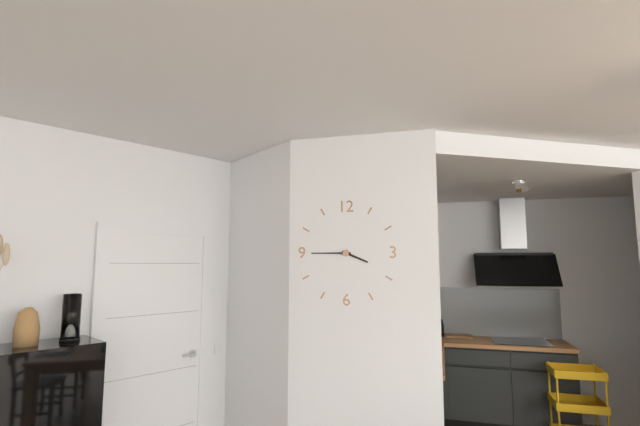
3:45
